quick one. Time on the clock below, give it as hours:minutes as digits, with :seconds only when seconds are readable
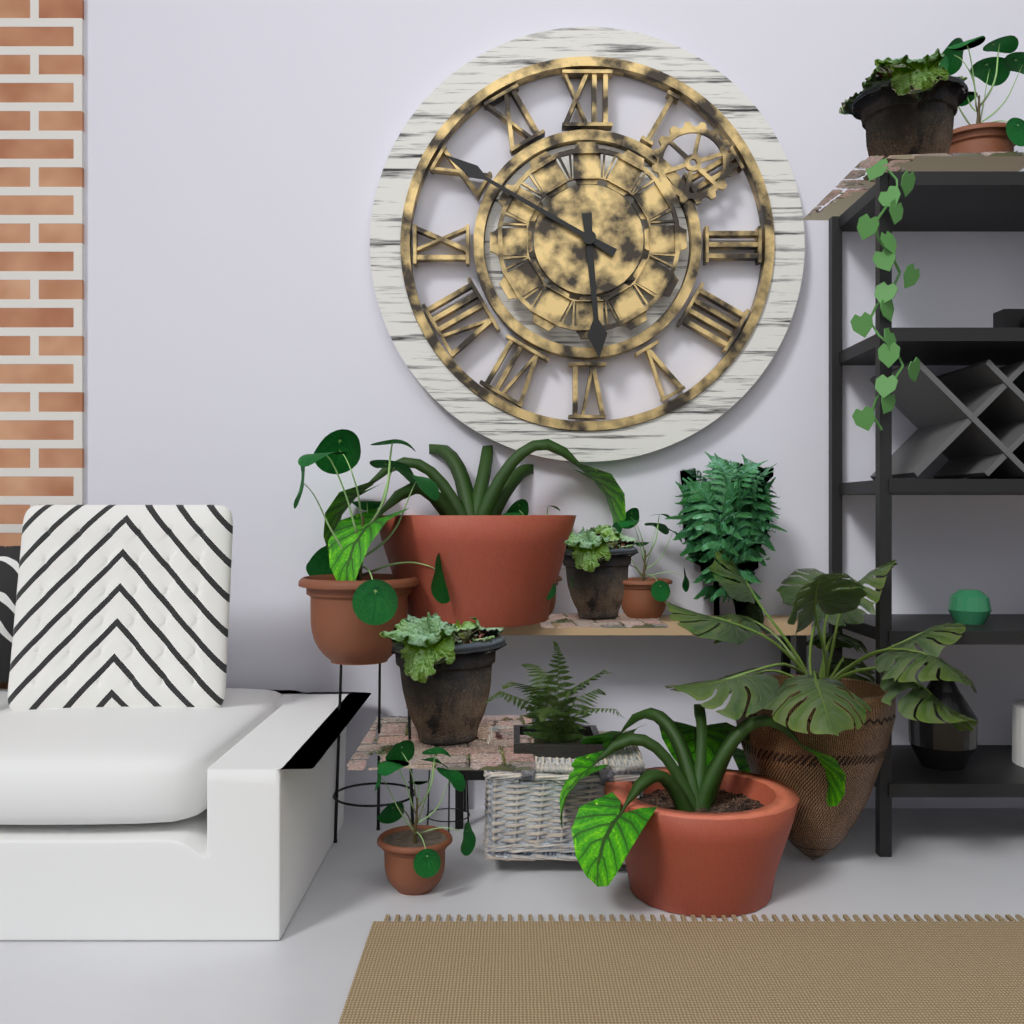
5:50
